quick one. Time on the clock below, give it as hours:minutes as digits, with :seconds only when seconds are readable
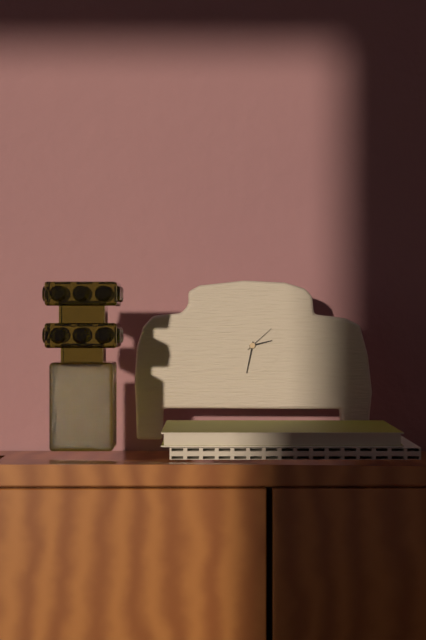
2:32
